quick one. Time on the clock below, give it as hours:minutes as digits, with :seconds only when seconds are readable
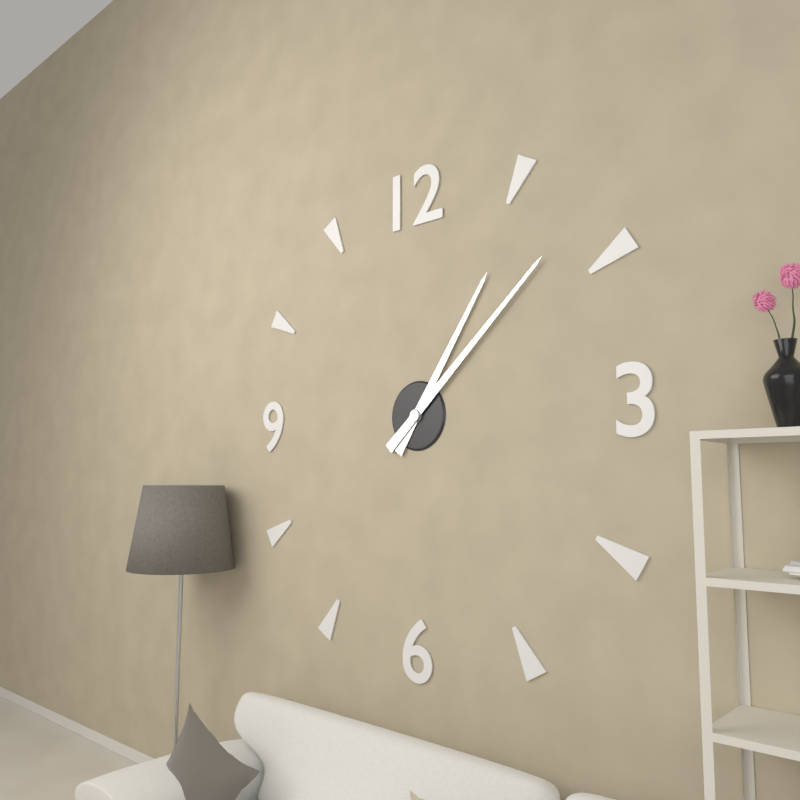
1:08
